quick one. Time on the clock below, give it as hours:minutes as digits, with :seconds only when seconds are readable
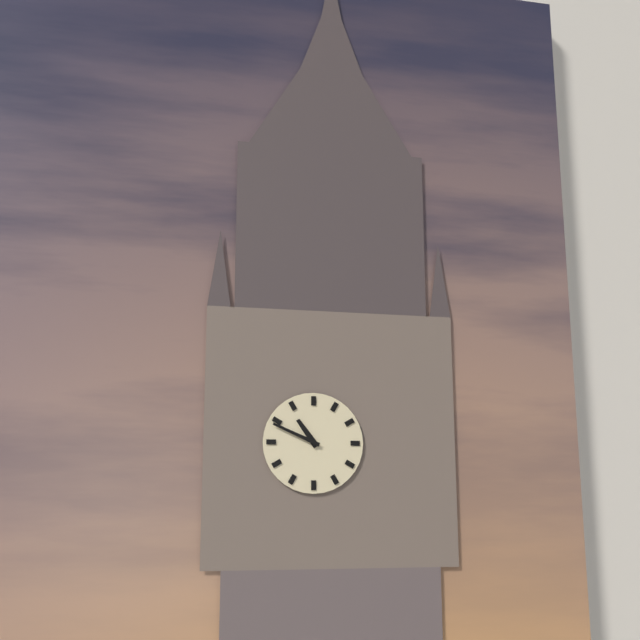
10:49
